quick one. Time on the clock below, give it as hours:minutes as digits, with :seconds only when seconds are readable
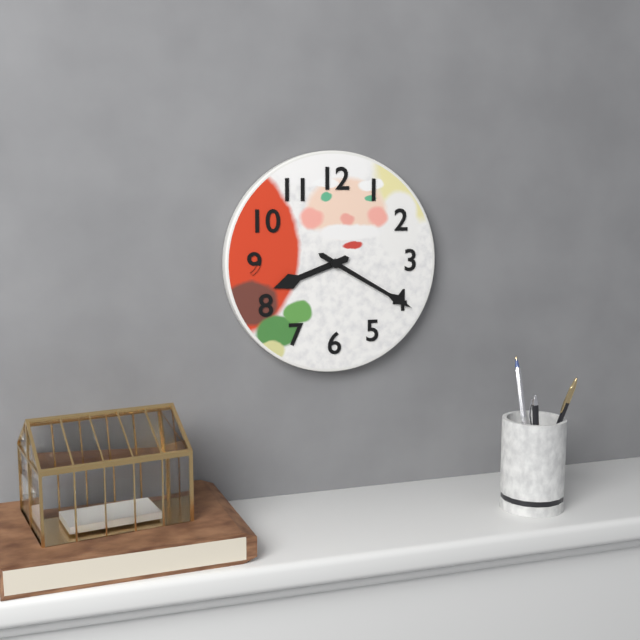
8:20
